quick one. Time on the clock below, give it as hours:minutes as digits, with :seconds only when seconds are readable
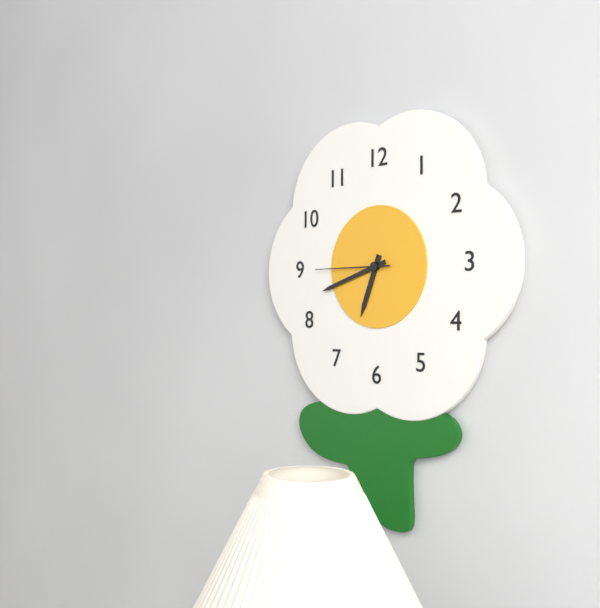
6:42:45
